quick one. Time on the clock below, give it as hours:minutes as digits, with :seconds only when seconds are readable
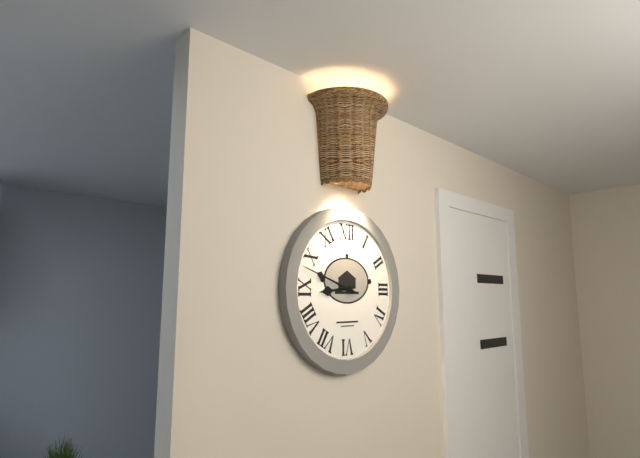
8:48
